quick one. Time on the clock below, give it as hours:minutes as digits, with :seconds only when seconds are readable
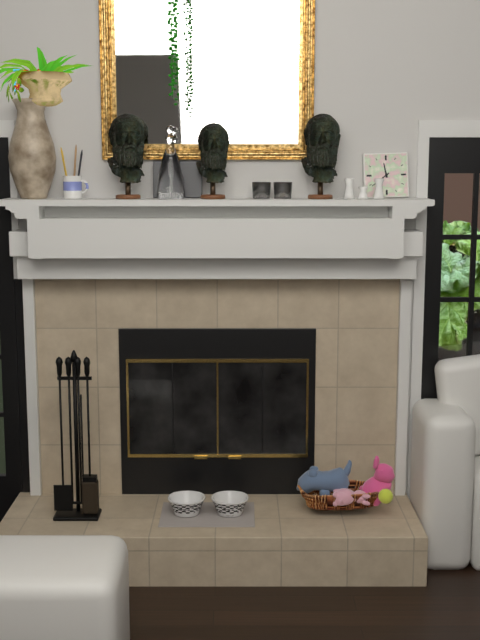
11:39
